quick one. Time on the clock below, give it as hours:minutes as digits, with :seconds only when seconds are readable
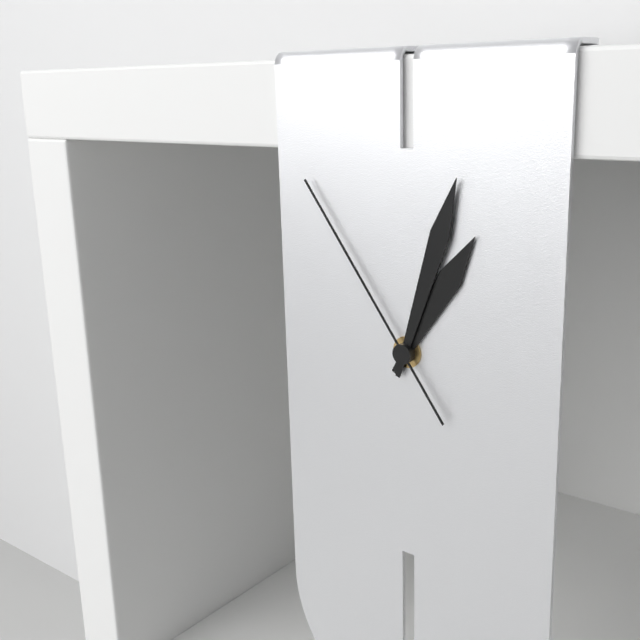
1:03:54
